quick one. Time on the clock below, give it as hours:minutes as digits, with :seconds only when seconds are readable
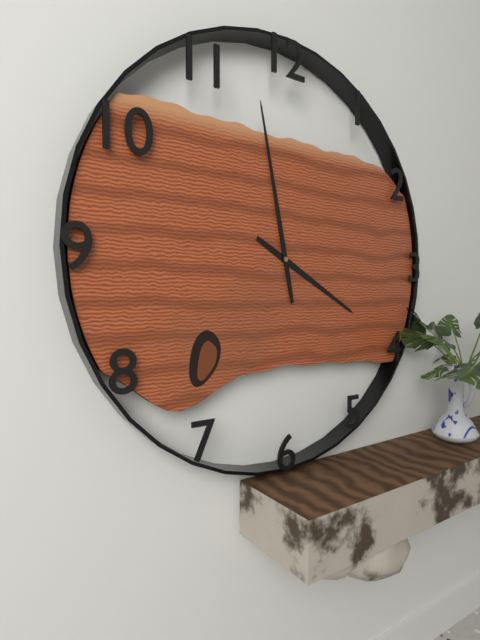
3:58
